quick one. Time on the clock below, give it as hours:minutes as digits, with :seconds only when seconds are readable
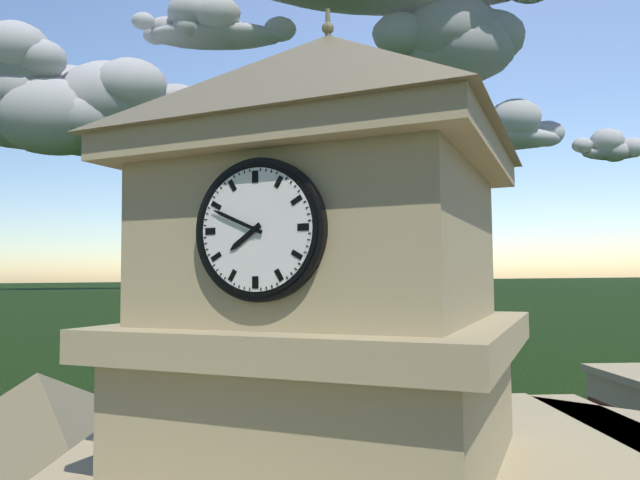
7:49
